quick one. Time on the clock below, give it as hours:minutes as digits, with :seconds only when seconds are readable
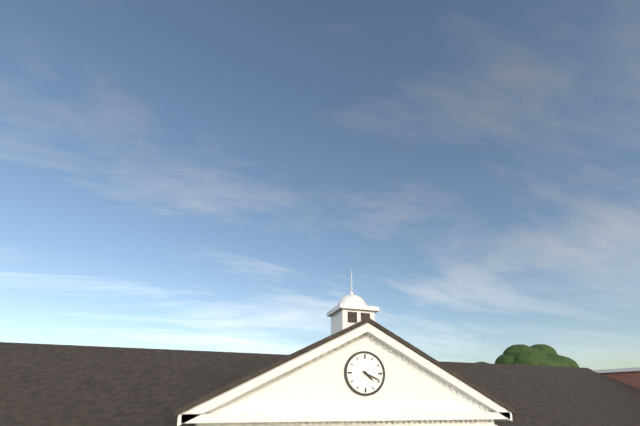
4:19
